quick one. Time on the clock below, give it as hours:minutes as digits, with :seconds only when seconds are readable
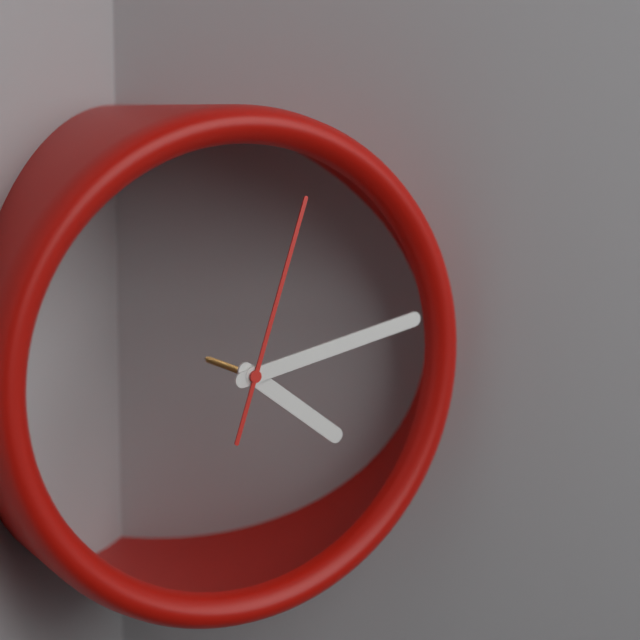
4:13:03
